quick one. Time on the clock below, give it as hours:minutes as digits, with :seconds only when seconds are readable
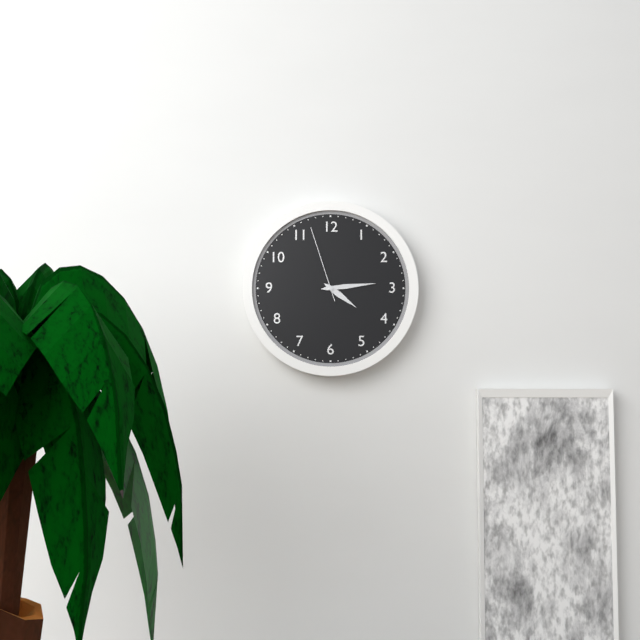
4:14:57
